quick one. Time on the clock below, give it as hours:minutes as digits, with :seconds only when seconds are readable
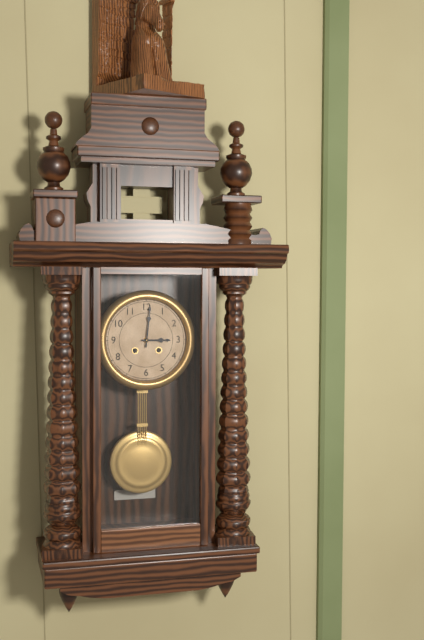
3:01
